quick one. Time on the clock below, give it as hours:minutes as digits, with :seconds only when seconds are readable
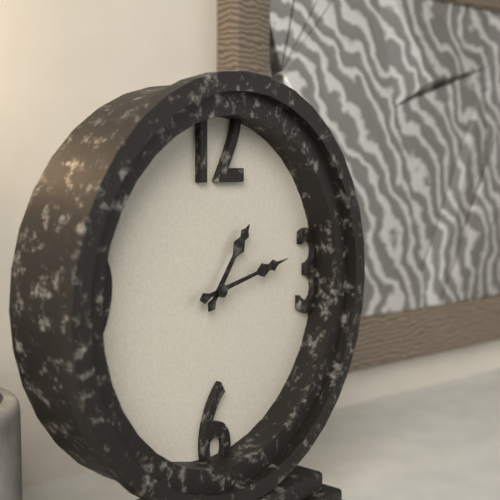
1:13
